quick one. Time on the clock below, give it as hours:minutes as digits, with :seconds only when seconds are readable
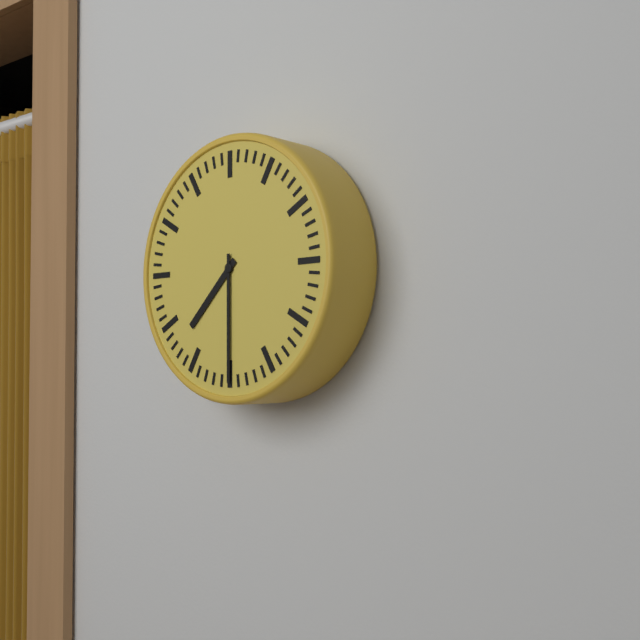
7:30
